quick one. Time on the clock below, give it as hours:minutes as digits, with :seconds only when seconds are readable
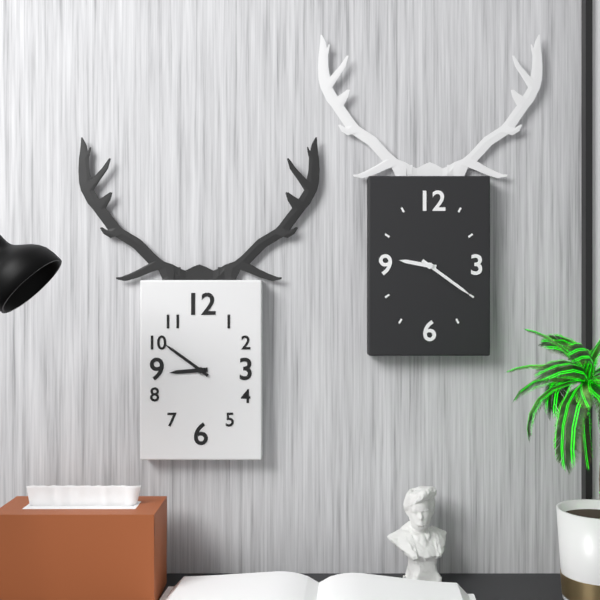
8:51
